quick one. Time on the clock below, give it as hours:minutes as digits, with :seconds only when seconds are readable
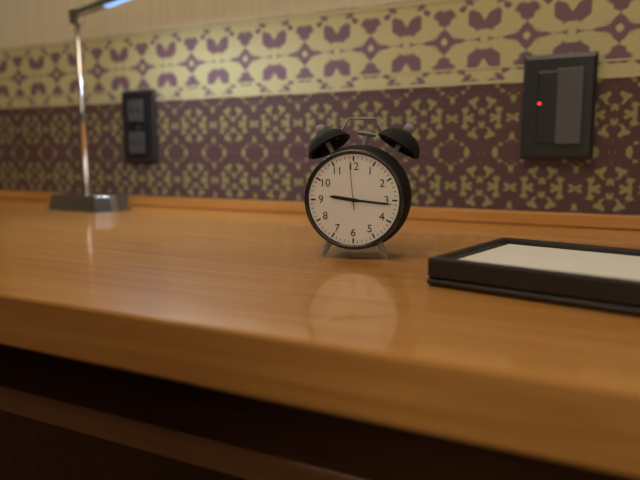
9:16:59
